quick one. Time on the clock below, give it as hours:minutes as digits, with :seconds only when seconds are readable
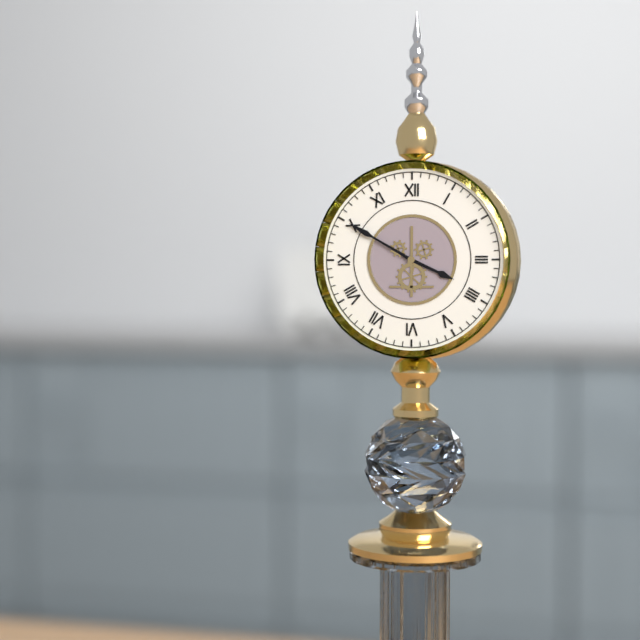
3:50
